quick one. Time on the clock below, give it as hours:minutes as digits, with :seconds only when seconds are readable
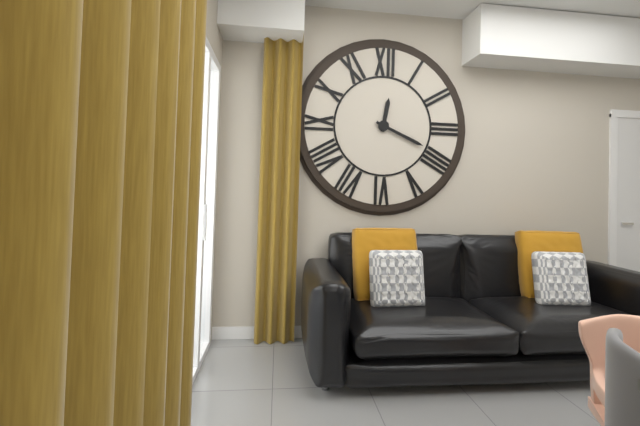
12:19
